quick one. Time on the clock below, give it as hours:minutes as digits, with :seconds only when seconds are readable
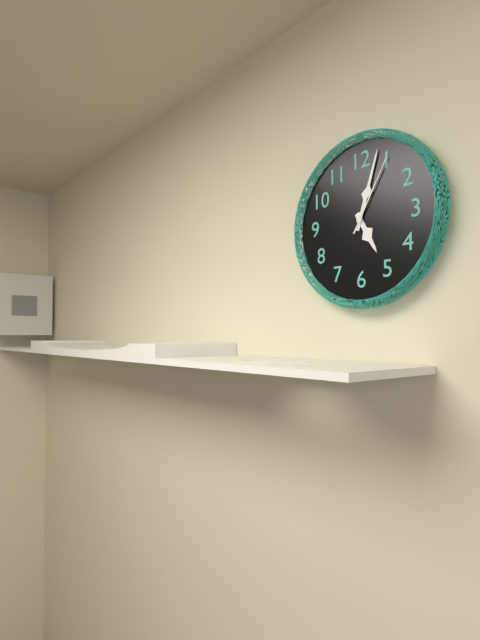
5:03:05
